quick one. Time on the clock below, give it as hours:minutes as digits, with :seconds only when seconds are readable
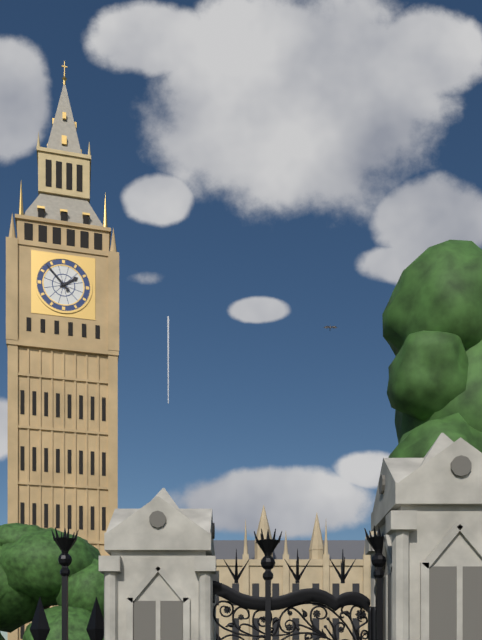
1:53
